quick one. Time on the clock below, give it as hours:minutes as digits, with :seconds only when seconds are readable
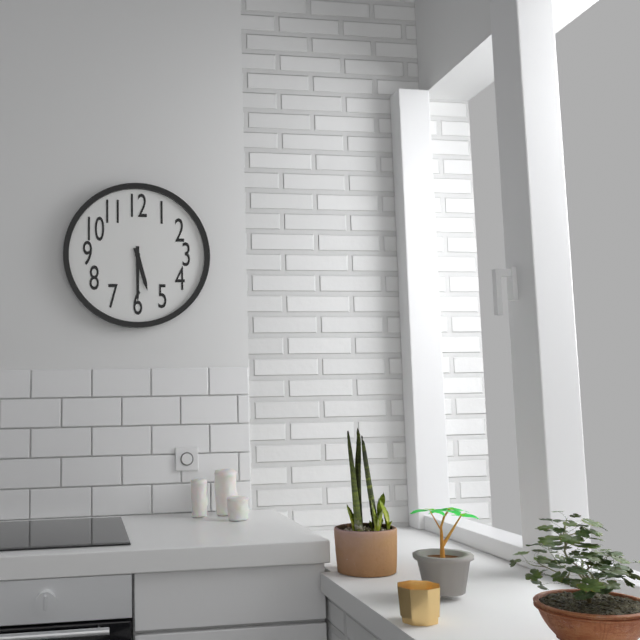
5:30
